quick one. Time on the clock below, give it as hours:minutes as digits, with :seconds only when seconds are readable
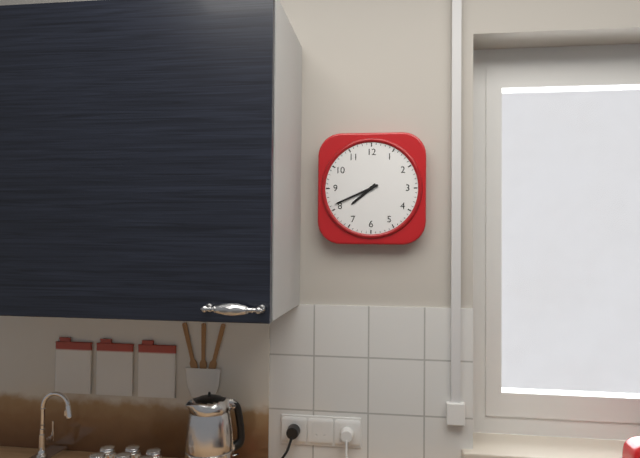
7:41
